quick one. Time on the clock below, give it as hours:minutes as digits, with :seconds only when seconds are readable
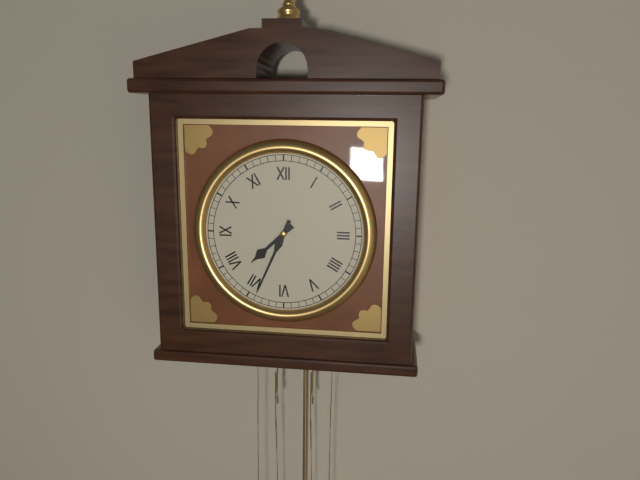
7:34
